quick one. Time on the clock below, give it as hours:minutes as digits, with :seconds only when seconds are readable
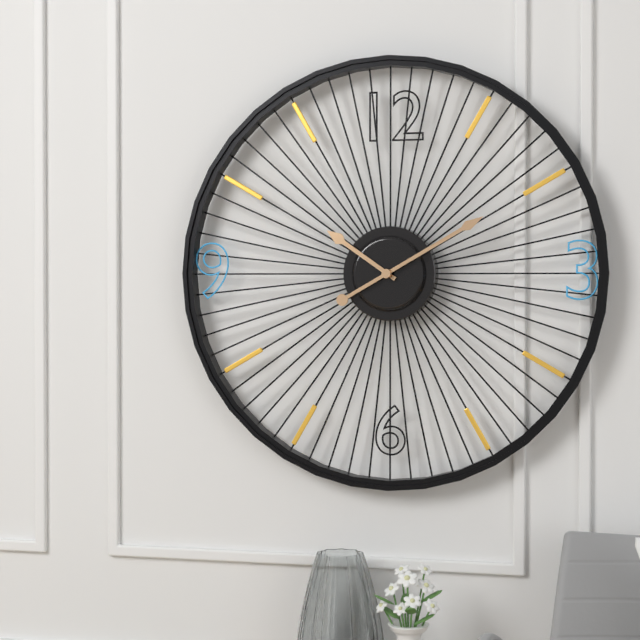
10:10
